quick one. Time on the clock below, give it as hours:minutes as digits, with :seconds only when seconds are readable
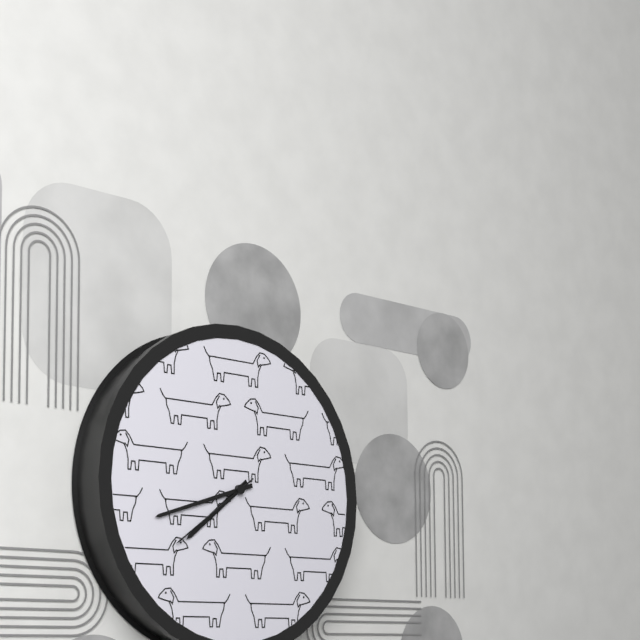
7:42:39
